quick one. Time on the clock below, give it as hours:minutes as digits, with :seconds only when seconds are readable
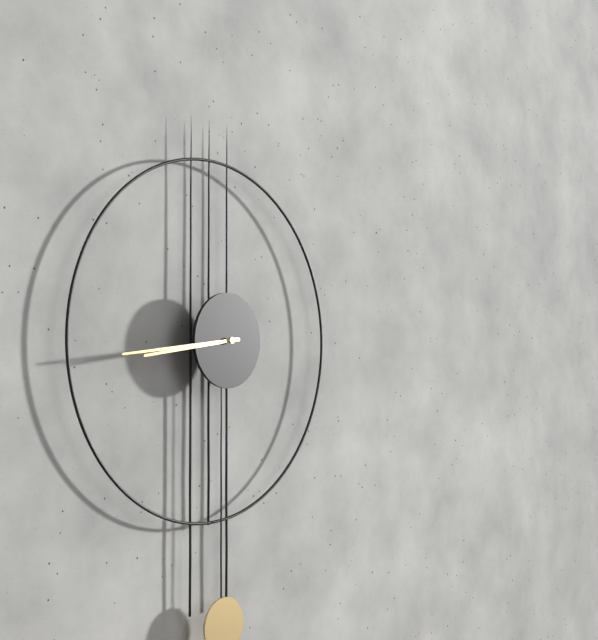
8:44
